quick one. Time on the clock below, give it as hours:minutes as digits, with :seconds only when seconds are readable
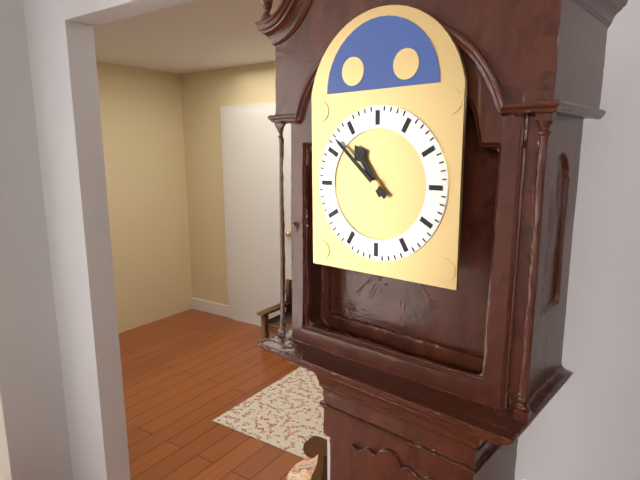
10:52
